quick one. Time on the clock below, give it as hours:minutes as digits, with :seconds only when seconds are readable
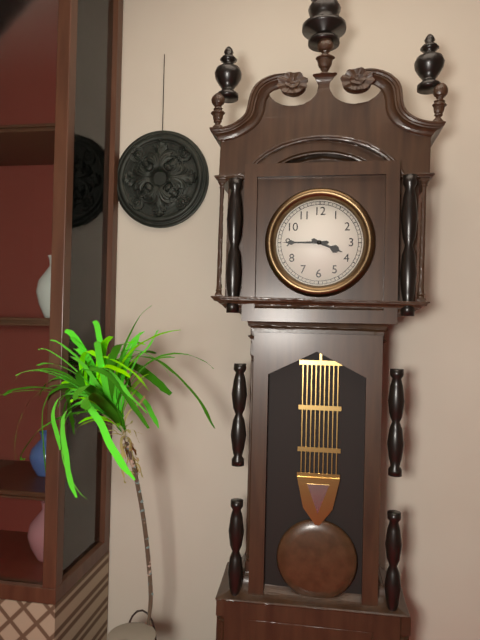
3:45
